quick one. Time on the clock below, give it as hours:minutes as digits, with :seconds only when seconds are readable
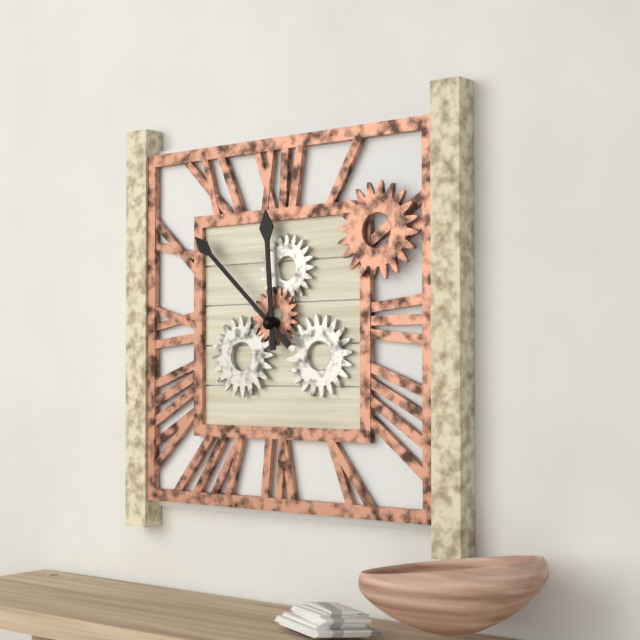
11:52
